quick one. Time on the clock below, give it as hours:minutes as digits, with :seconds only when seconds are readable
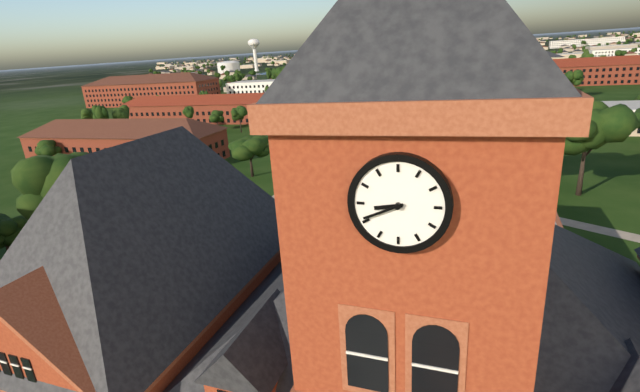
8:41
